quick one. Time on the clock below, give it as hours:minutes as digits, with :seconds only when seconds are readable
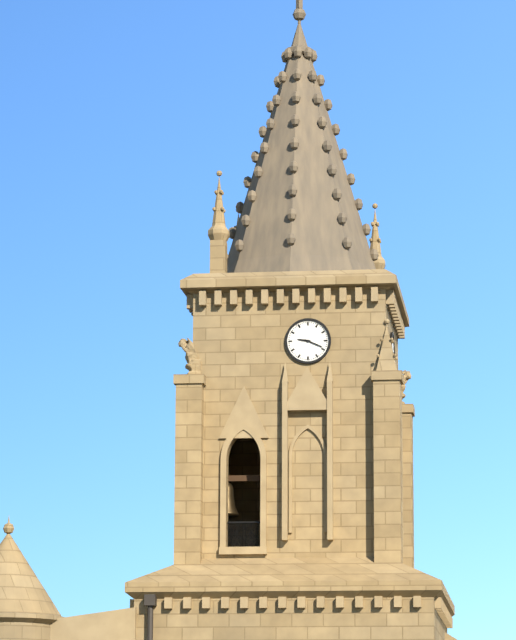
9:19
